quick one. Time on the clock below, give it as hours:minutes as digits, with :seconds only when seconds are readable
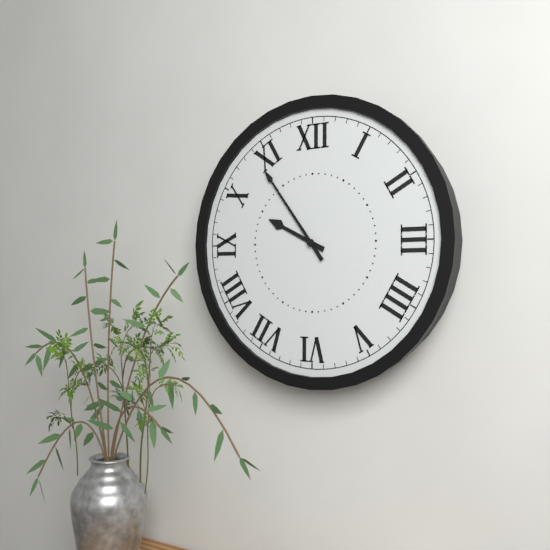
9:54
